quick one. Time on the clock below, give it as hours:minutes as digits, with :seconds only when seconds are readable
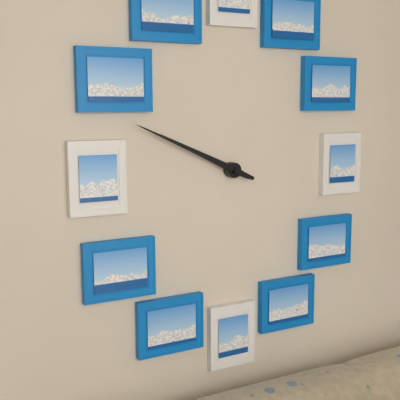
9:49
